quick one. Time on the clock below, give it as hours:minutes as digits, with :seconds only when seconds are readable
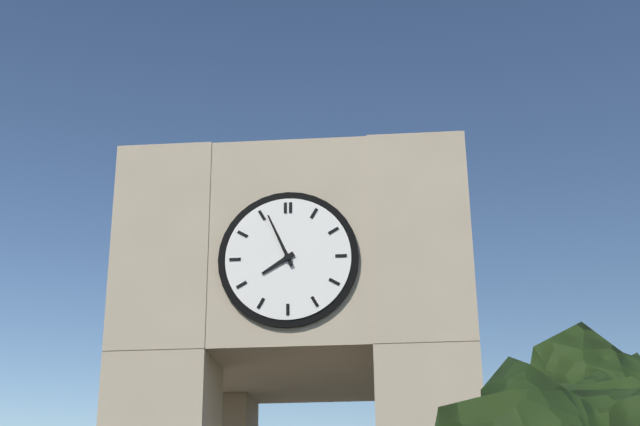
7:56
